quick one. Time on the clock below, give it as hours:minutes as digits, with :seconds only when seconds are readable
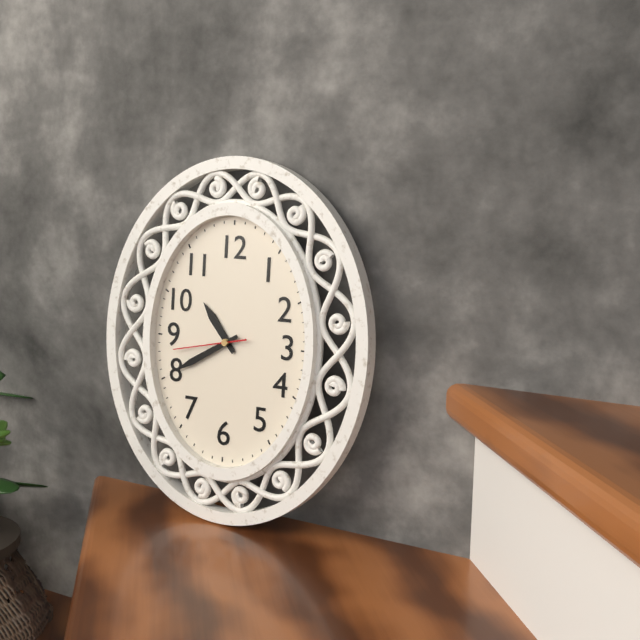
10:40:43
